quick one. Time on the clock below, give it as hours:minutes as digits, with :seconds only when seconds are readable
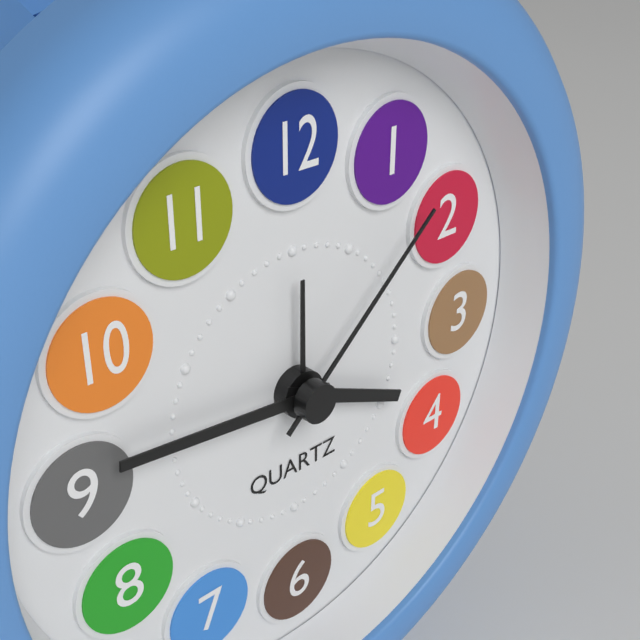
3:46:08
